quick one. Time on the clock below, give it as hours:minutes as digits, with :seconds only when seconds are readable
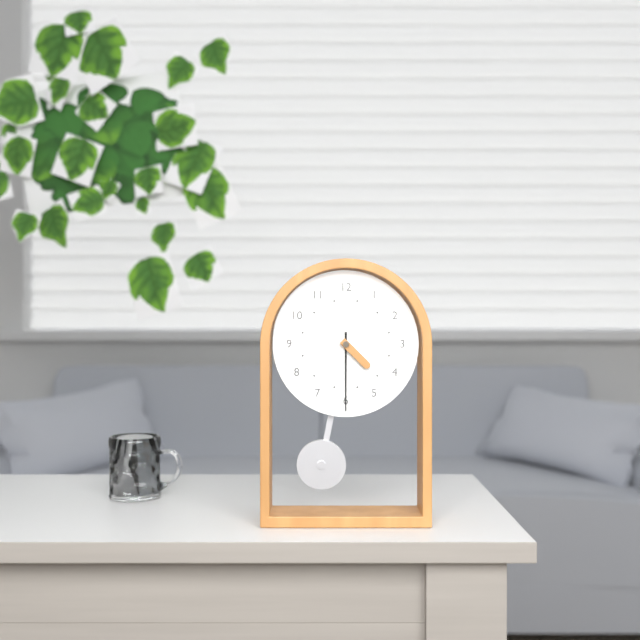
4:30
